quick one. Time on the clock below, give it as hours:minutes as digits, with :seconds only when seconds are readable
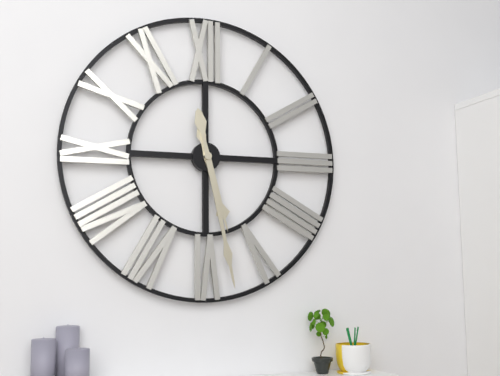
5:28
